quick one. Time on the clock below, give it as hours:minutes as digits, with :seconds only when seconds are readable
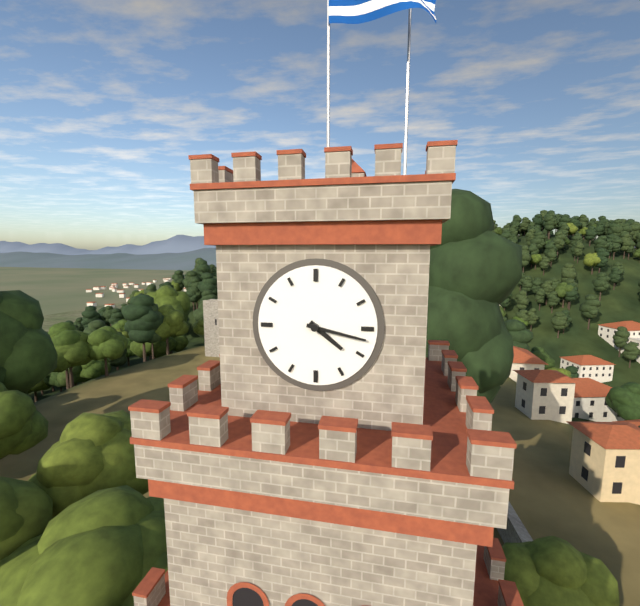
4:17
